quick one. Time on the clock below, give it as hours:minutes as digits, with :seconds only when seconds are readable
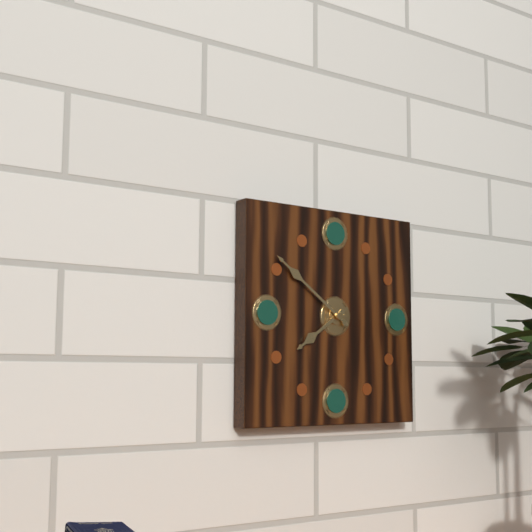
7:51
